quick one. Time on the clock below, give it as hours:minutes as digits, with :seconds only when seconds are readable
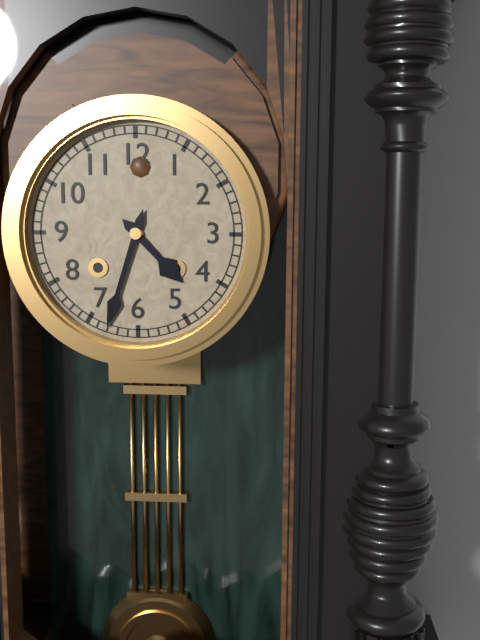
4:33
